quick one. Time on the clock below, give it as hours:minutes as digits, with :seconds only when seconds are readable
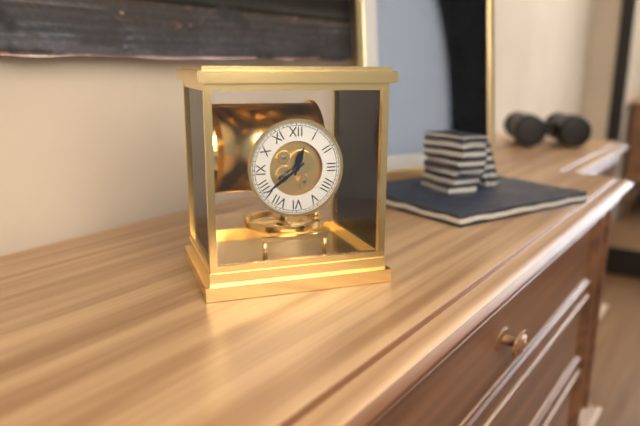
12:39
